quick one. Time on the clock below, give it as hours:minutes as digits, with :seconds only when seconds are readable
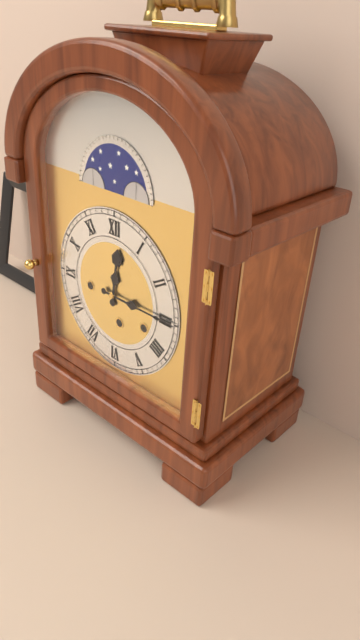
12:15
